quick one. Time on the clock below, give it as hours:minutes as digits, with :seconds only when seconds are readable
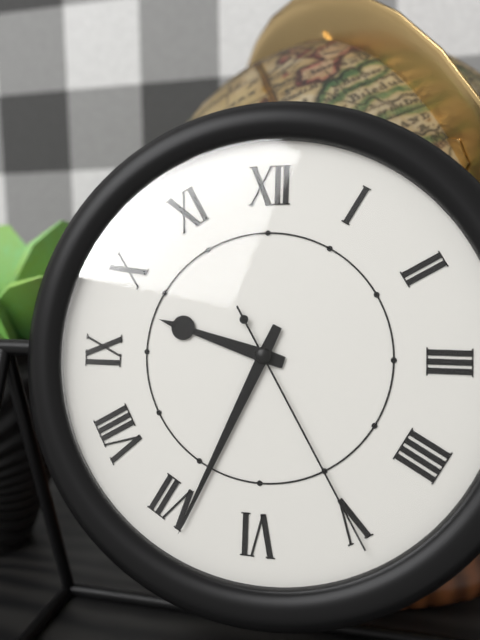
9:34:25
